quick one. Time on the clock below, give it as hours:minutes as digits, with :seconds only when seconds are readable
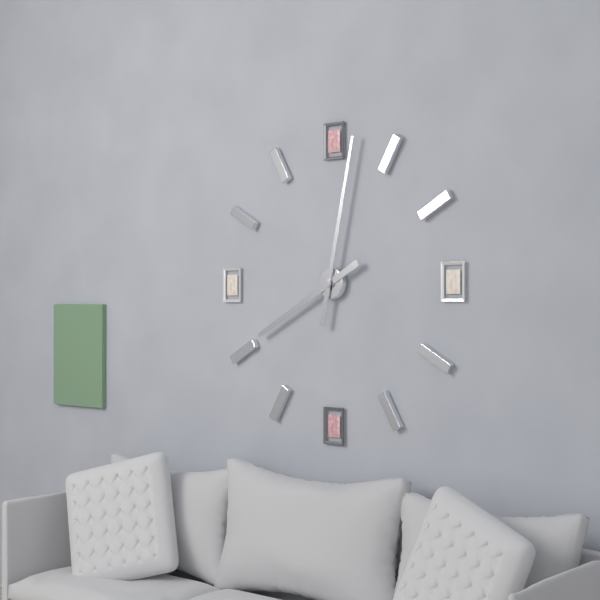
8:02
